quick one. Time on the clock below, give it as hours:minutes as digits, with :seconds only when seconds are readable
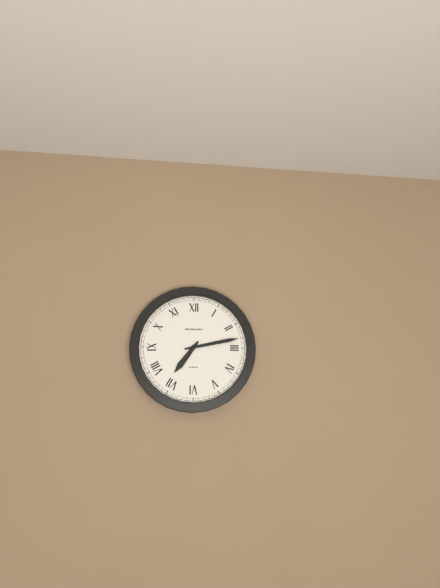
7:13
